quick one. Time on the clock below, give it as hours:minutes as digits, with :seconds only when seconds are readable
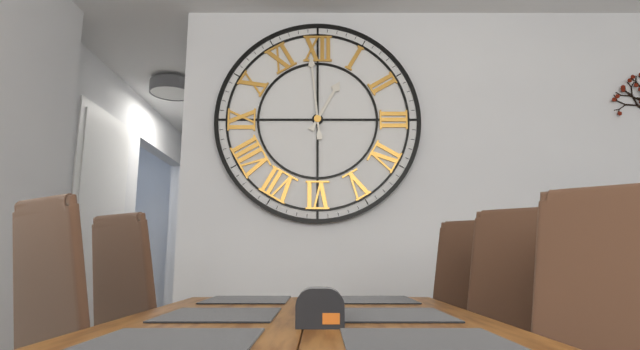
12:59
